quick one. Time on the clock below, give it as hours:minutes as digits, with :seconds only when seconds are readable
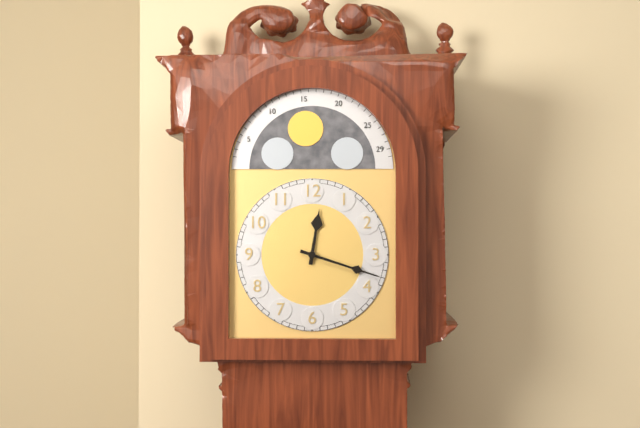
12:18
